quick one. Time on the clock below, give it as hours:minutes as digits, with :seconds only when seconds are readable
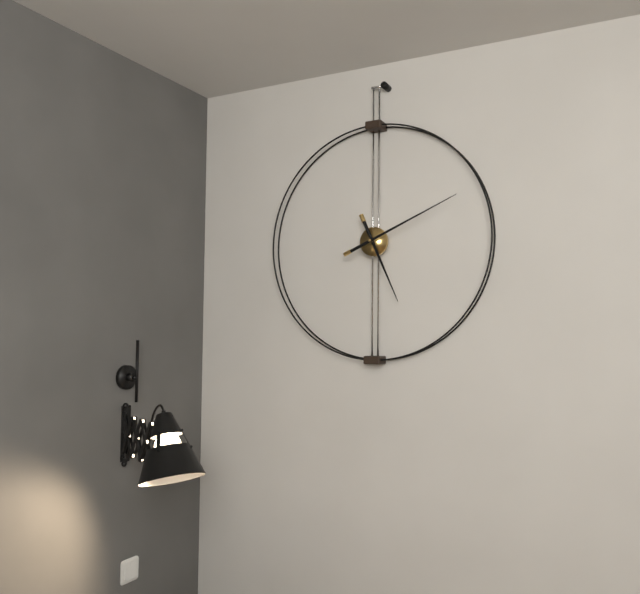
5:11
